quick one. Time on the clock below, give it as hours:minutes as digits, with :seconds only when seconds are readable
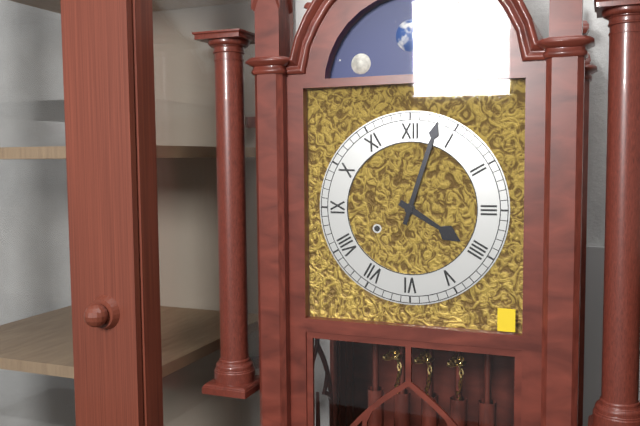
4:03
